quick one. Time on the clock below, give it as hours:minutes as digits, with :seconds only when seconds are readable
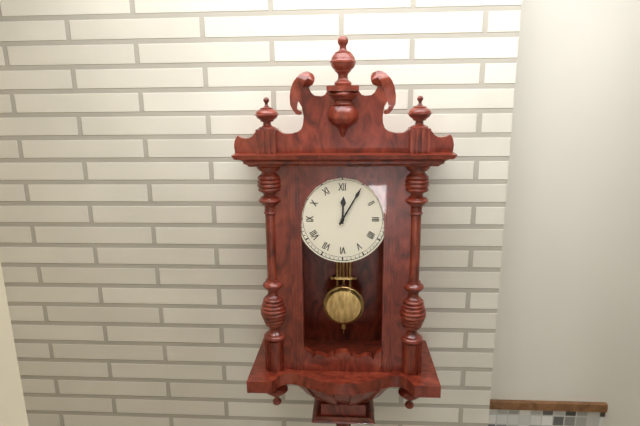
12:05
